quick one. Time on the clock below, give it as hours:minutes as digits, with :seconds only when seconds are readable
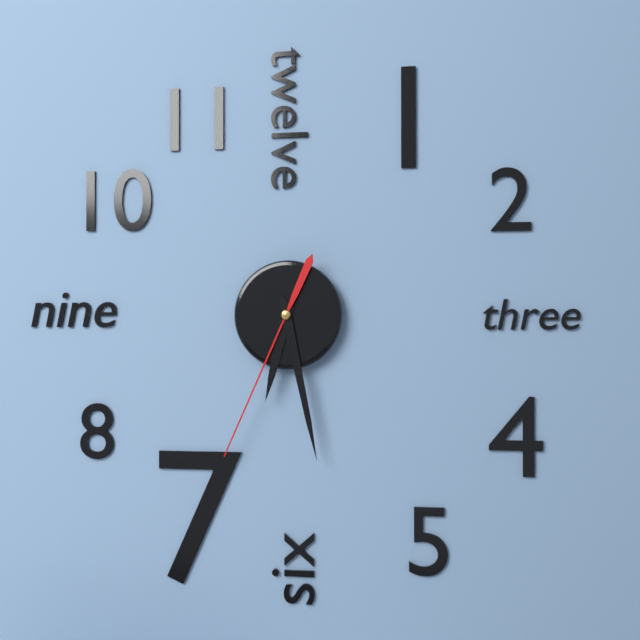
6:28:34
